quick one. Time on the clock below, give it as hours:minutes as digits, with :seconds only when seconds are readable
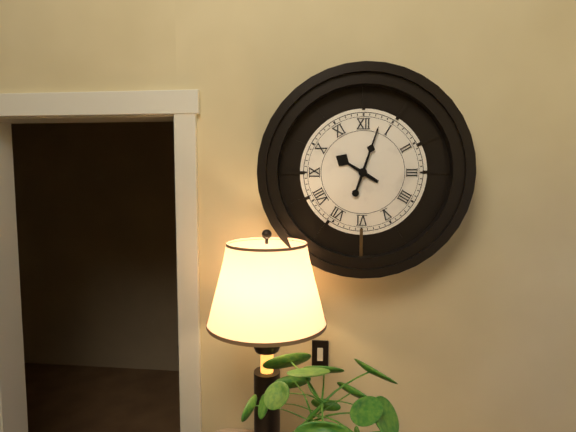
10:03
